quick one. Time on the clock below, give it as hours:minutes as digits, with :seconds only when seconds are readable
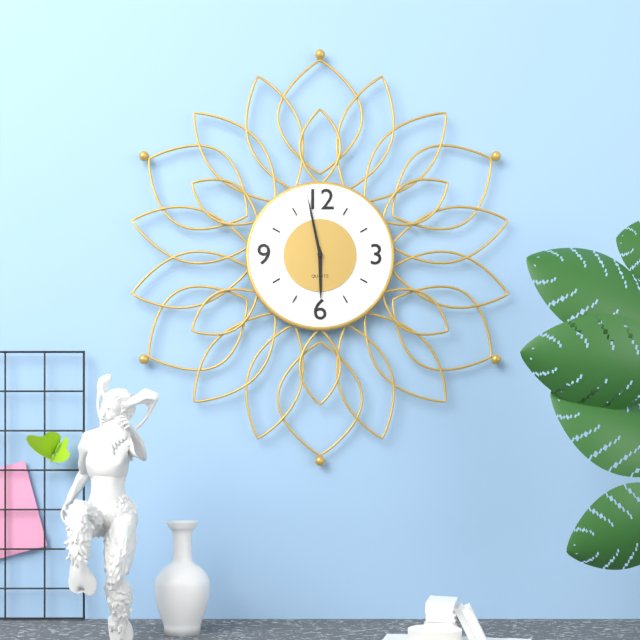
5:58
